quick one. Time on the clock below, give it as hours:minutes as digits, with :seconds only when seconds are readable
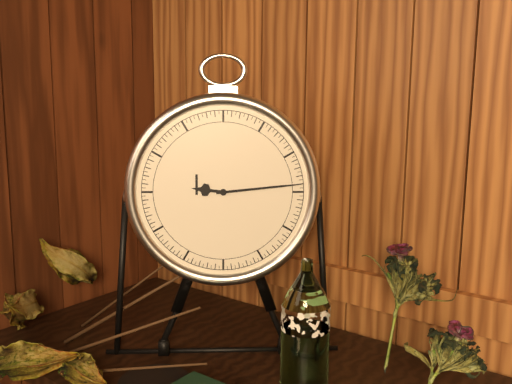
9:14
